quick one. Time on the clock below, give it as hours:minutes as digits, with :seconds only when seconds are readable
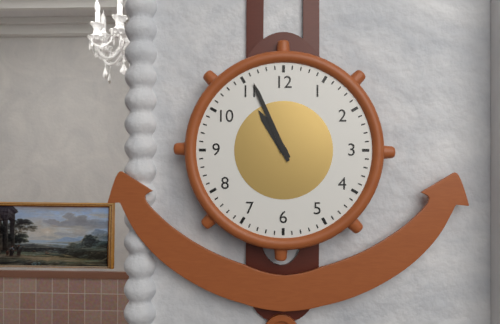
10:56
